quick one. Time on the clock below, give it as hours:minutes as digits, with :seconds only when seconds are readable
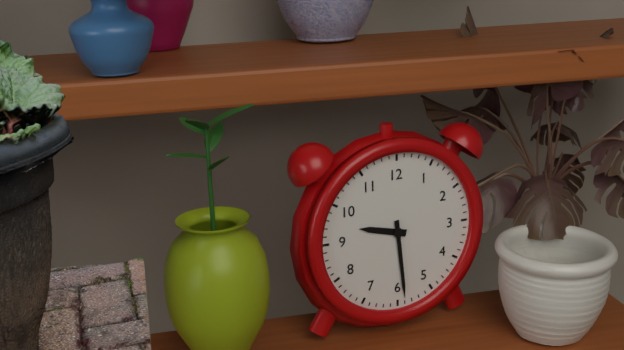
9:29
